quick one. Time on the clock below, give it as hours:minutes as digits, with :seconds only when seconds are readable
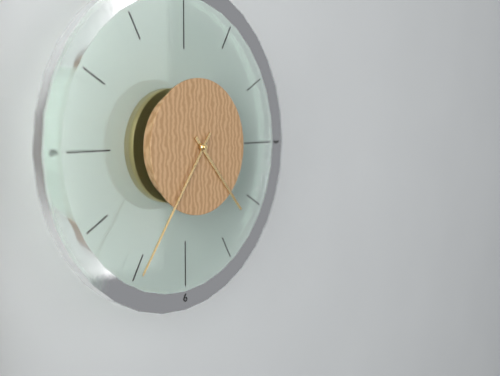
4:36
